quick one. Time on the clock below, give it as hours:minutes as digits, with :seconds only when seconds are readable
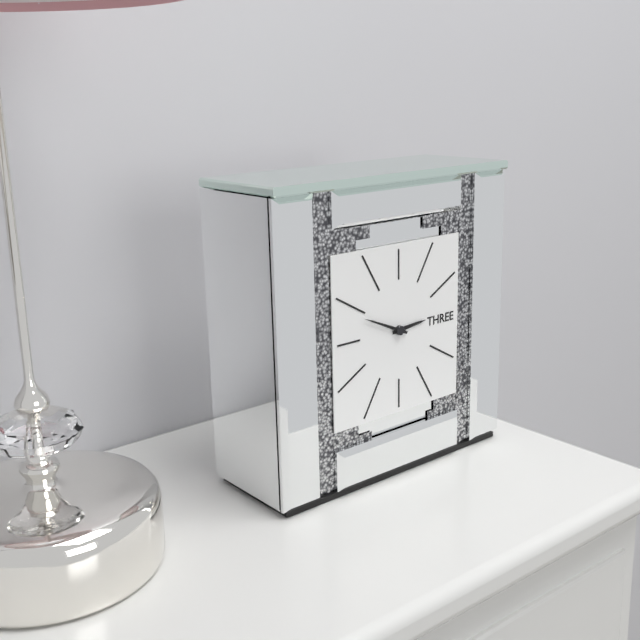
2:49
